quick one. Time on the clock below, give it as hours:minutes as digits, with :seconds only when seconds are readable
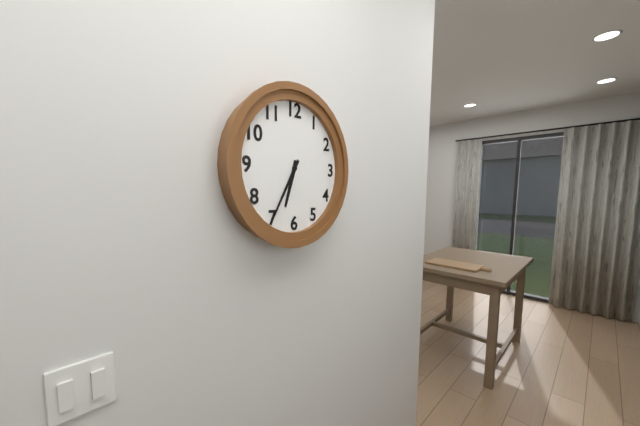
6:35
